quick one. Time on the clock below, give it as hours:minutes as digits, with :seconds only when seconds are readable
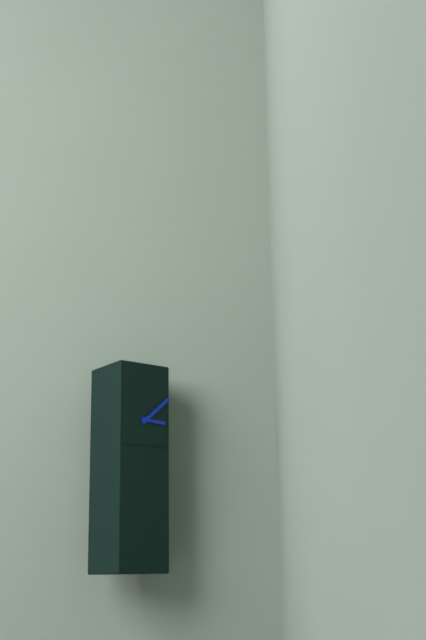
3:08
